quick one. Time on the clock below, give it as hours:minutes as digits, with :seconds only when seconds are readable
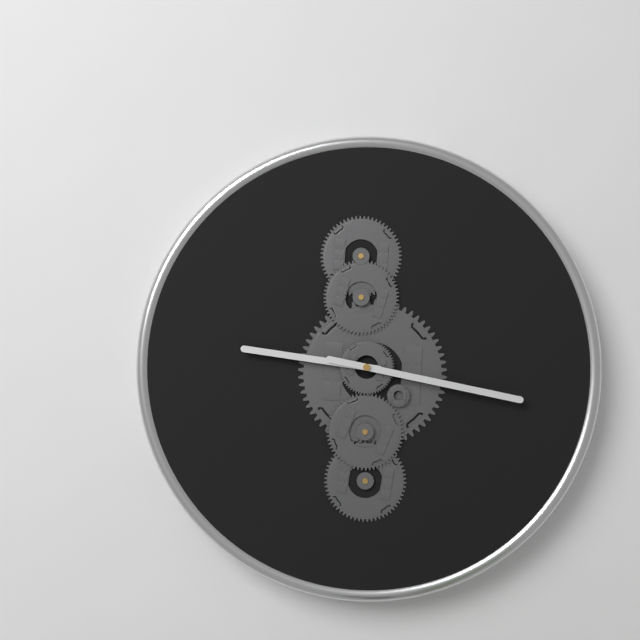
9:17
